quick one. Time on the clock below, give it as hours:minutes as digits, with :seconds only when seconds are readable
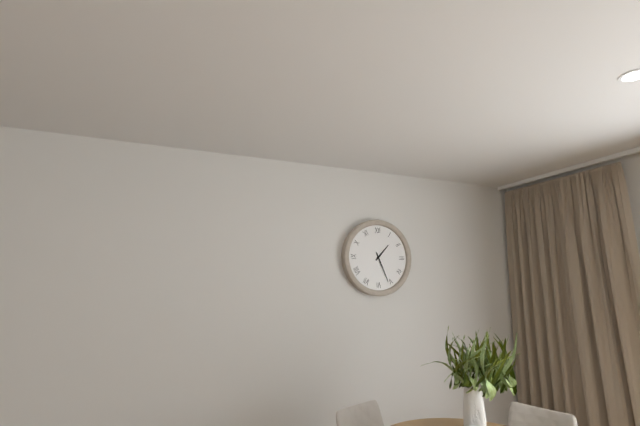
1:26
